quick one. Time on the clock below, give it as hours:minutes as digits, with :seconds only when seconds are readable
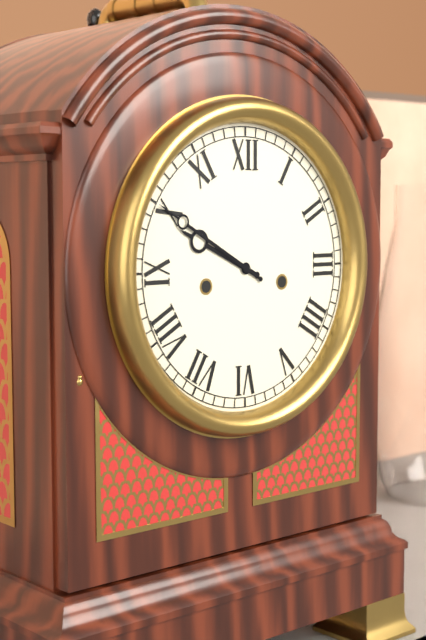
9:50
